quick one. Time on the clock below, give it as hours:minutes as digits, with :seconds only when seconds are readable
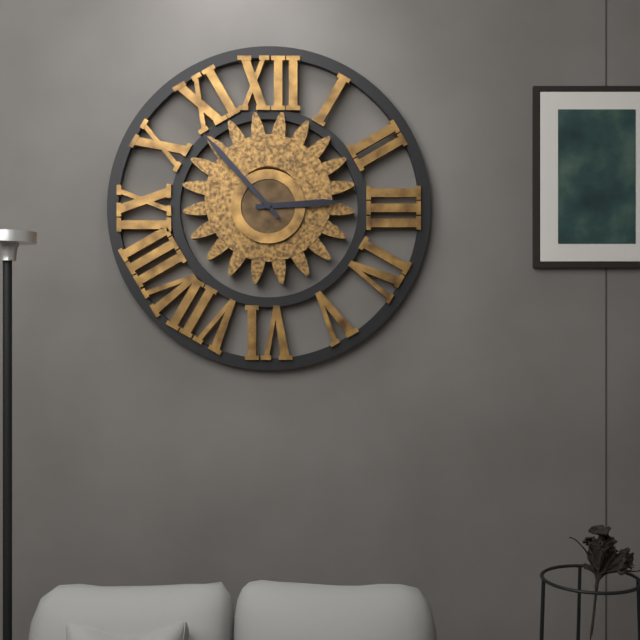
2:53
